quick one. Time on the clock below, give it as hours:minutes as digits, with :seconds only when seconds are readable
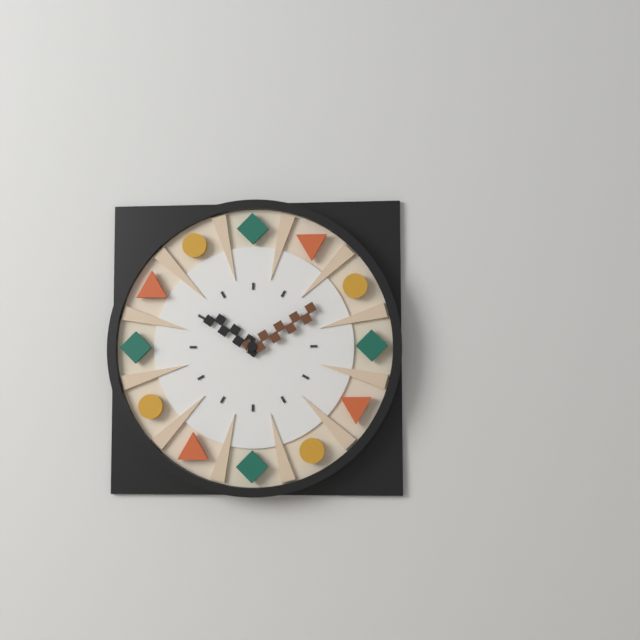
10:10
